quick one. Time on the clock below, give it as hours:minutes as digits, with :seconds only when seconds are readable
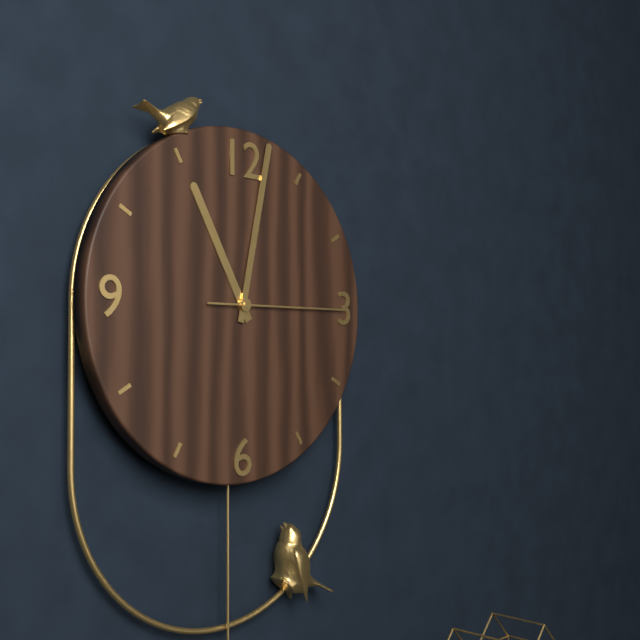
11:02:15
